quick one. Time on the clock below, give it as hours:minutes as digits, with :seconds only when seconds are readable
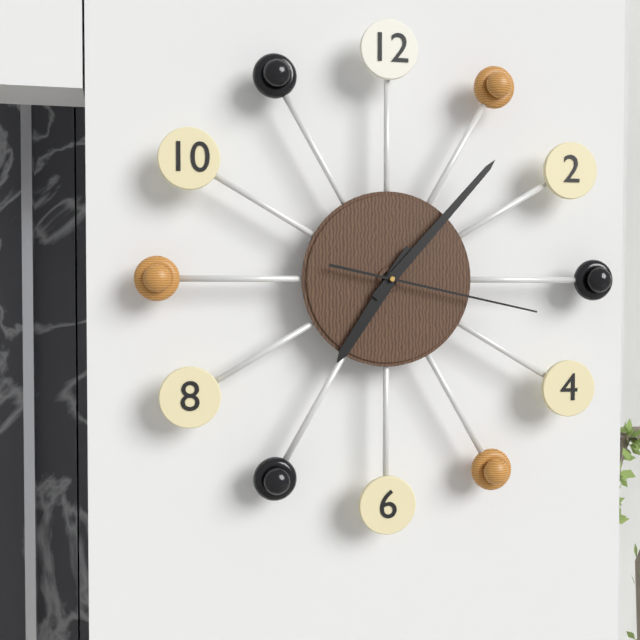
7:07:17
